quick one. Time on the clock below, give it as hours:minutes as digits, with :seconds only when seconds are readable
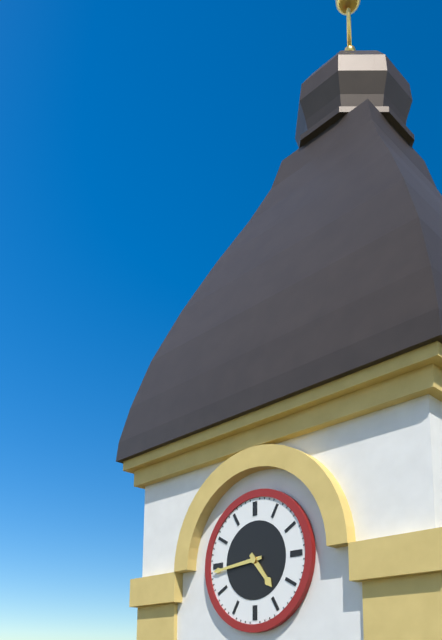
4:44
